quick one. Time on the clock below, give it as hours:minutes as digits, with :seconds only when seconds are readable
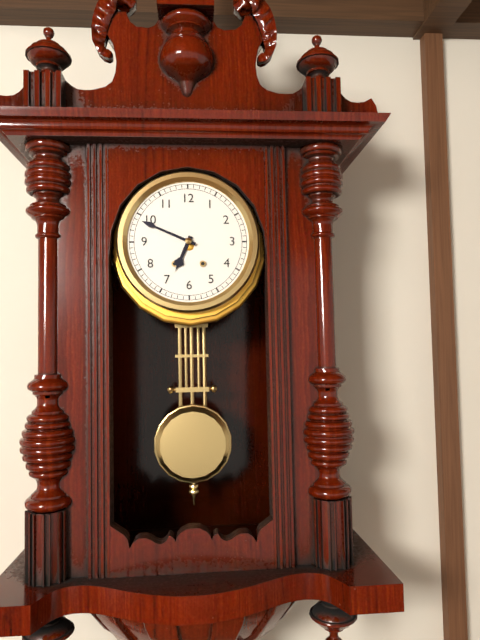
6:49
